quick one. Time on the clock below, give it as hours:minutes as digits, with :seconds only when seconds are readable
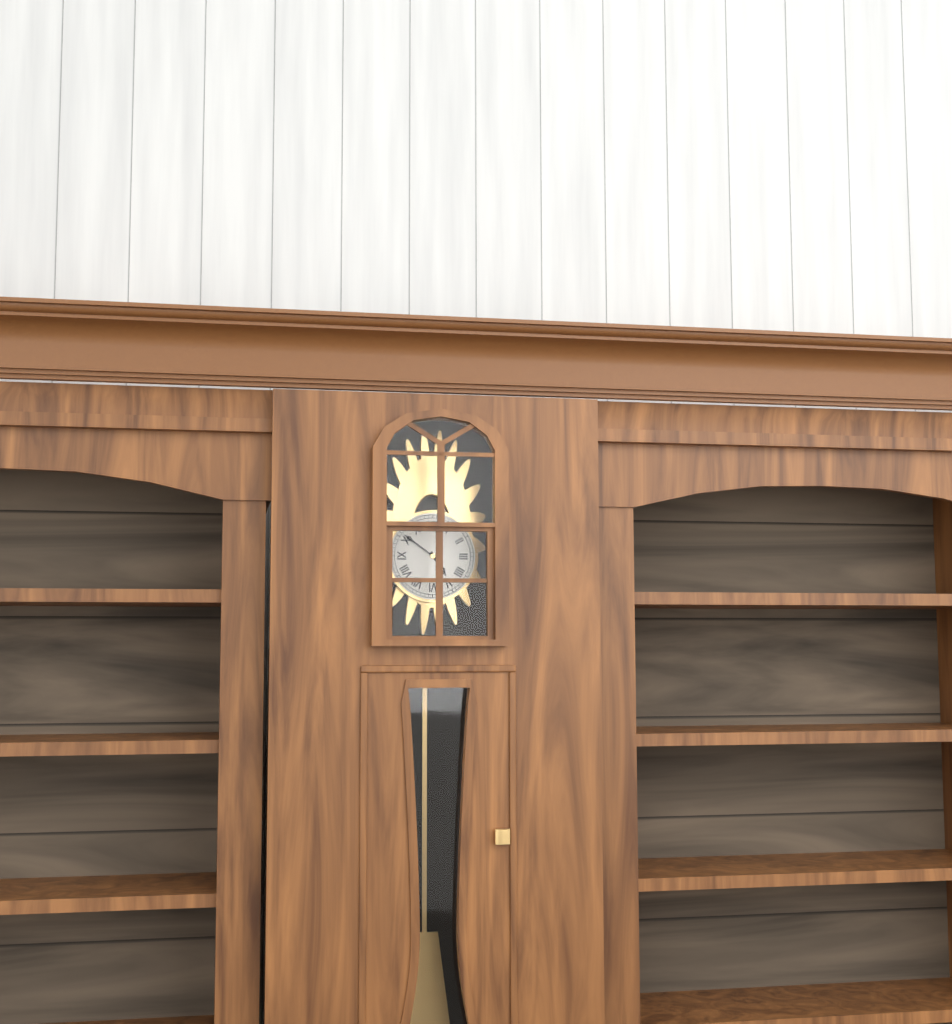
4:51
